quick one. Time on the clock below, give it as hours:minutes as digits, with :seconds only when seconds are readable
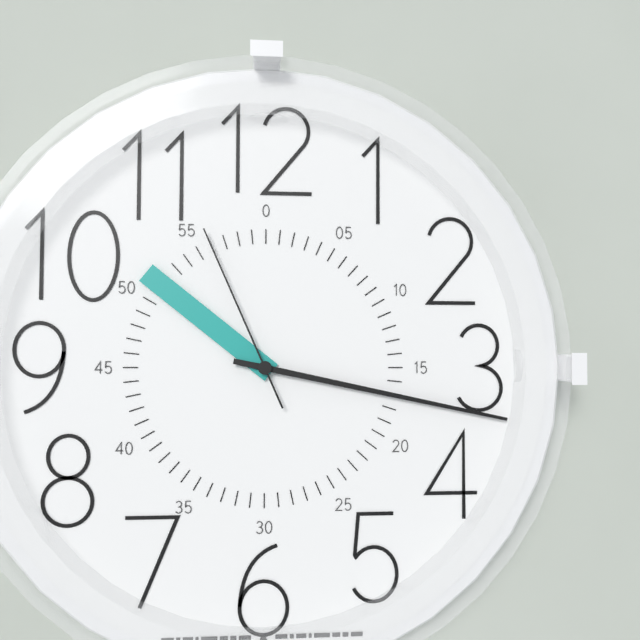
10:17:56
